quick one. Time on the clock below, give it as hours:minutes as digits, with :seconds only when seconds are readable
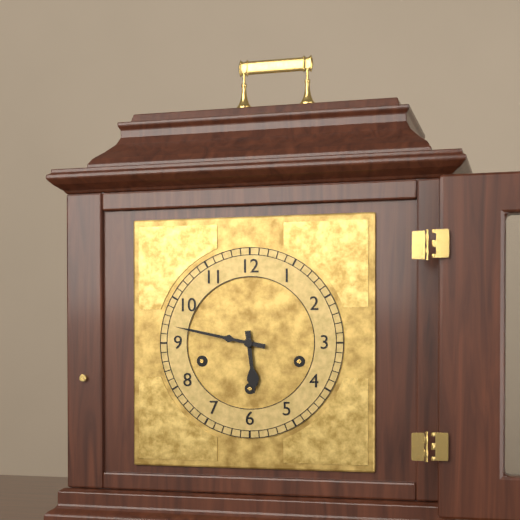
5:47
